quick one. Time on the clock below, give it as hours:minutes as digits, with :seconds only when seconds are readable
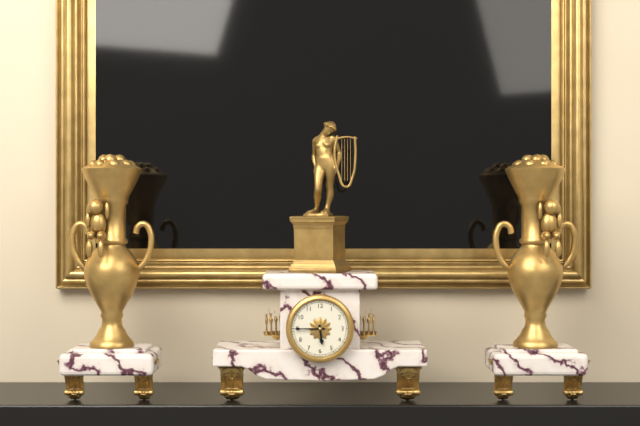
5:45
